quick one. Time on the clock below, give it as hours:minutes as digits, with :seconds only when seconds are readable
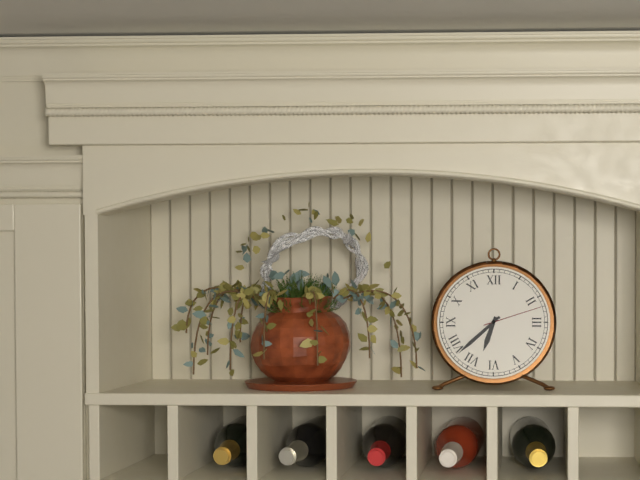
6:38:12
